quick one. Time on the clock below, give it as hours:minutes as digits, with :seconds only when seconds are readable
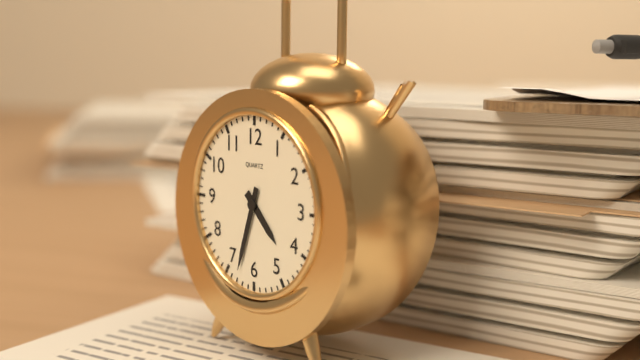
4:33
